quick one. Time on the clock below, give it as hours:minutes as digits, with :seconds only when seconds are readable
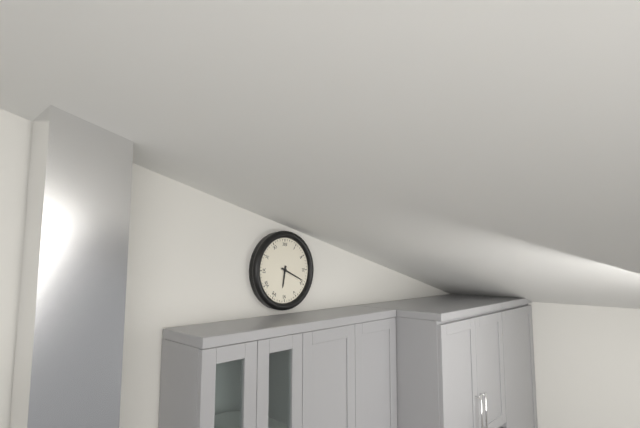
6:19
